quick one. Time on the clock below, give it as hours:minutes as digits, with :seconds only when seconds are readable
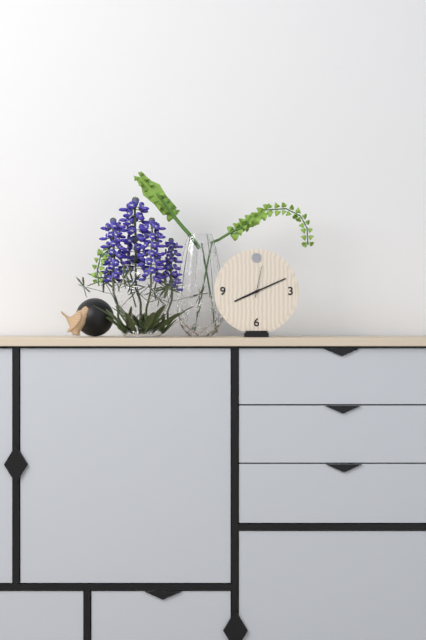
8:11
